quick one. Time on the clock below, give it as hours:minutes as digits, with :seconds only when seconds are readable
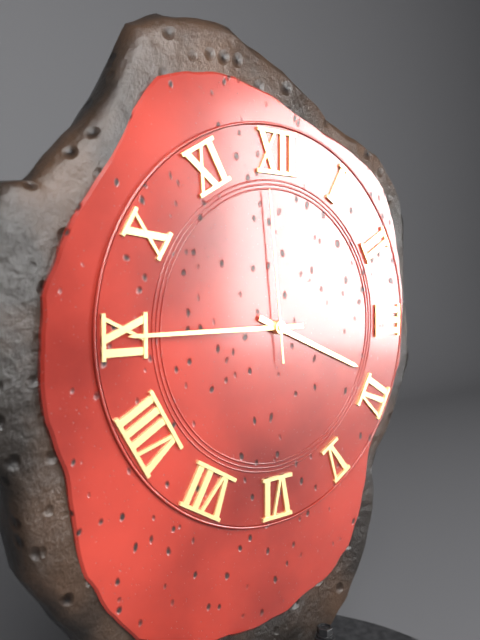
3:45:59
